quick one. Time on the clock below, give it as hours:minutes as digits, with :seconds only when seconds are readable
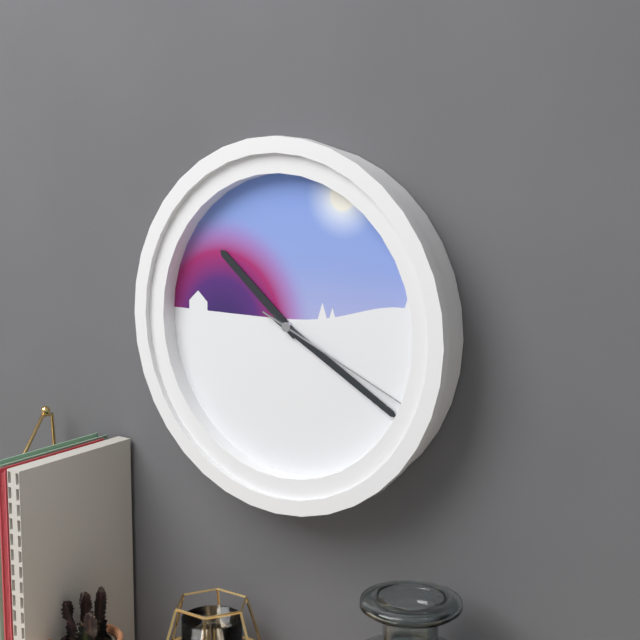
10:20:19
